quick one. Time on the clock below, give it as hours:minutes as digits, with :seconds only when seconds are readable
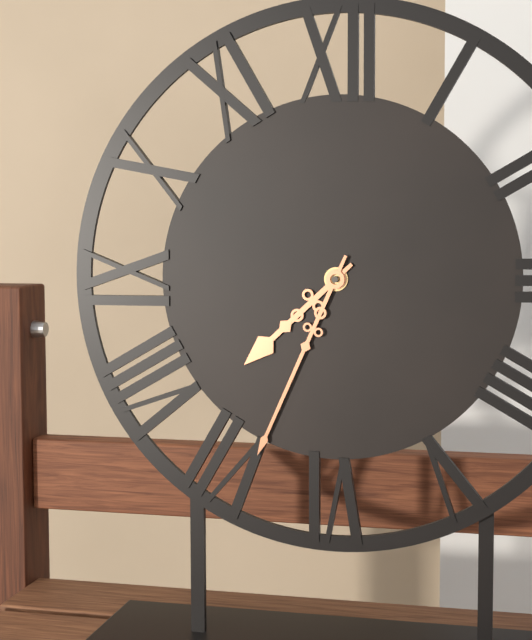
7:34
